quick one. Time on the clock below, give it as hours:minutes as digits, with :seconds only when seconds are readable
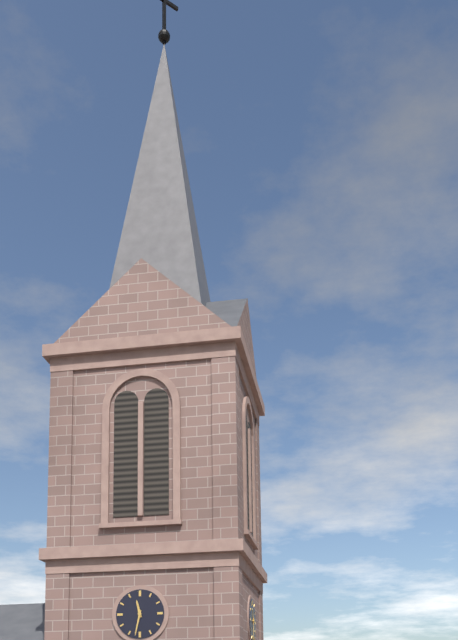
11:32
